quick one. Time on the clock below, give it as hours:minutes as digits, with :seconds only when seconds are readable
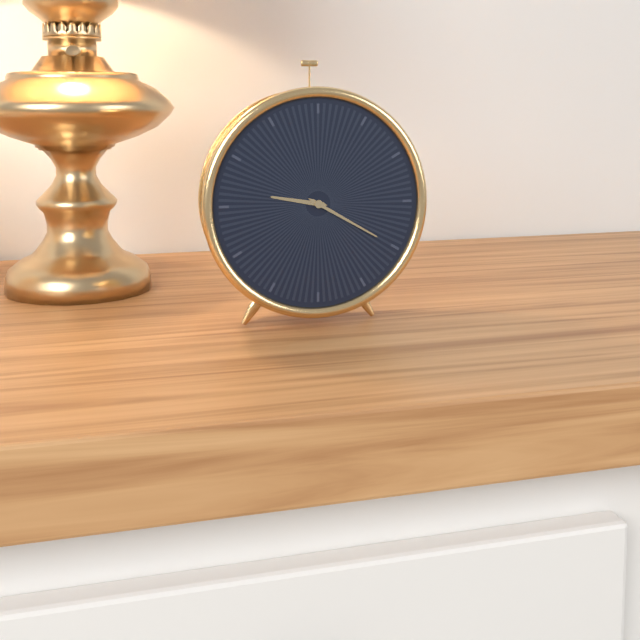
9:20
